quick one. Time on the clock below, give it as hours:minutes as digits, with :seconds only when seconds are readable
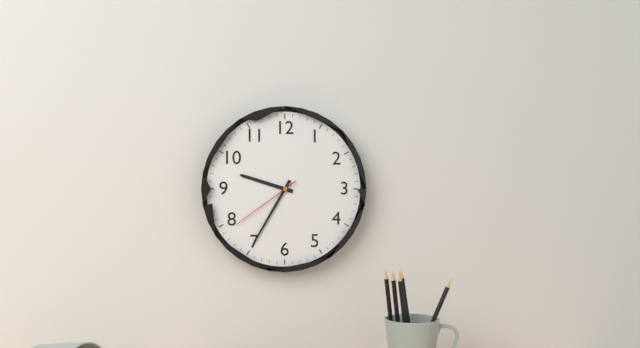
9:35:39
